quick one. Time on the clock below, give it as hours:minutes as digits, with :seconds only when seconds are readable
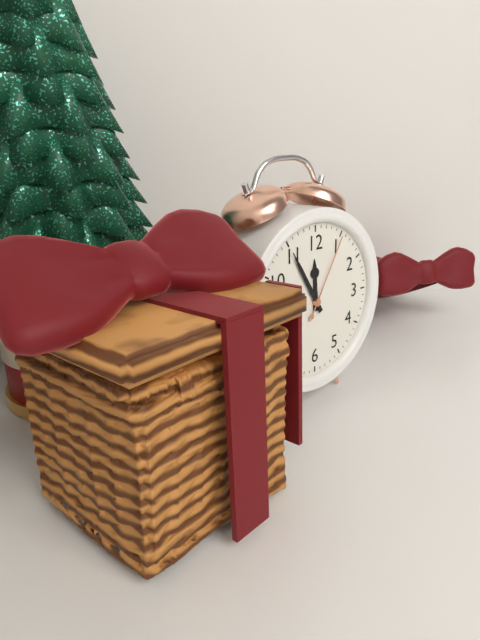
11:55:05
